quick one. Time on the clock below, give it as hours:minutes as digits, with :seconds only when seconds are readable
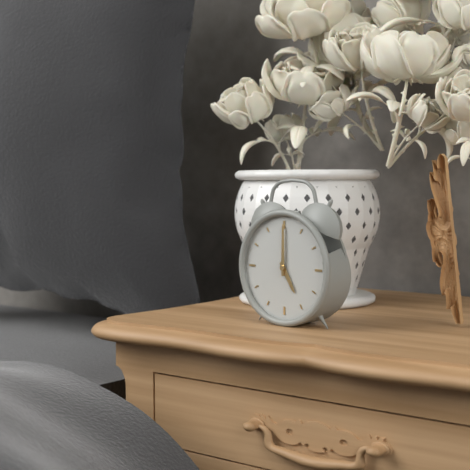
5:00
